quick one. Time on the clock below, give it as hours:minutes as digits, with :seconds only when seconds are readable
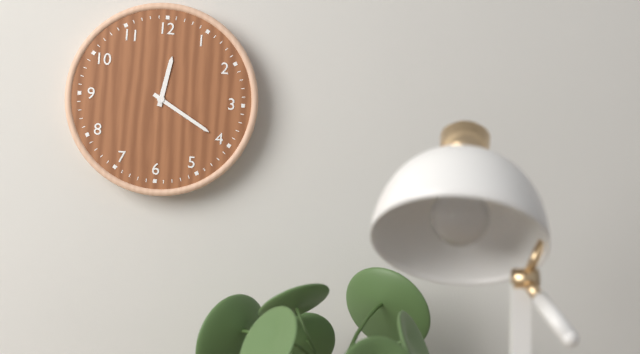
12:20
